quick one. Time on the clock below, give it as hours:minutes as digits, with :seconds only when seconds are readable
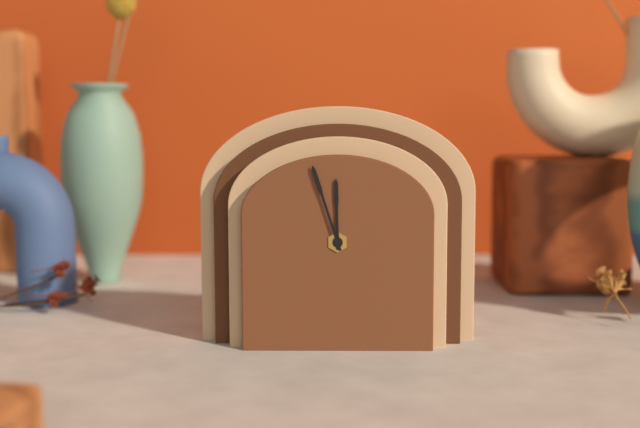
11:57
